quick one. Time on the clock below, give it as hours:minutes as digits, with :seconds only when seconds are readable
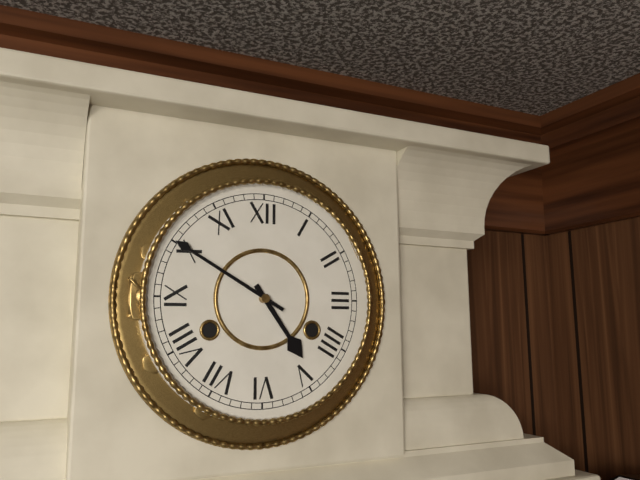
4:50
